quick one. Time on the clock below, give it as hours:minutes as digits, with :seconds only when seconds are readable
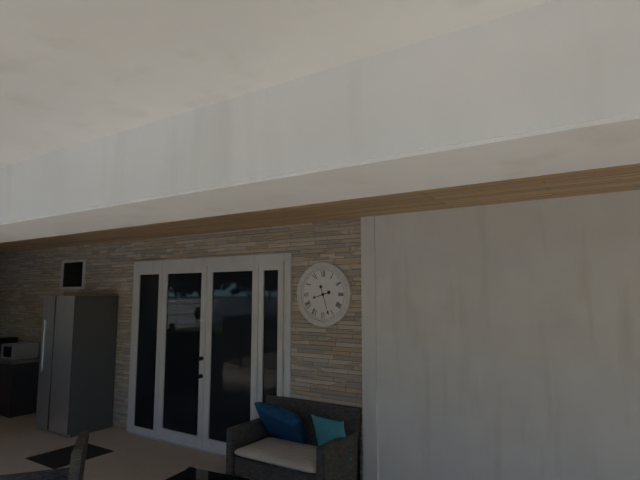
8:27
